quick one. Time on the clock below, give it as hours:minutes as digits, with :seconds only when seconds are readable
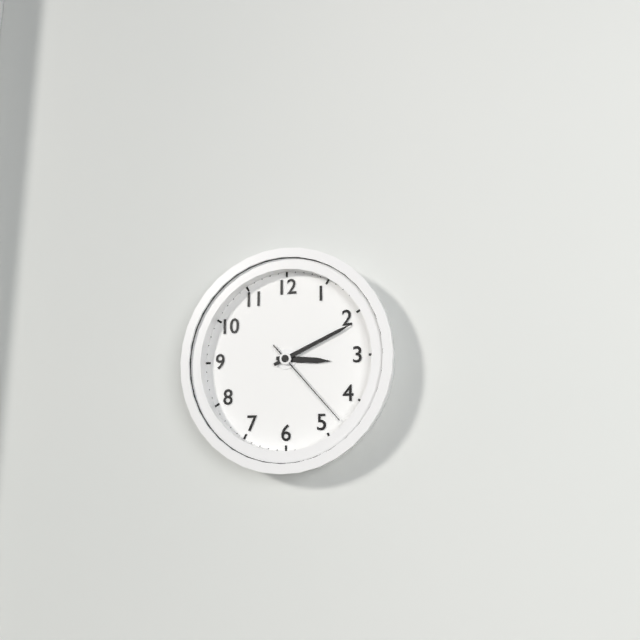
3:11:23
